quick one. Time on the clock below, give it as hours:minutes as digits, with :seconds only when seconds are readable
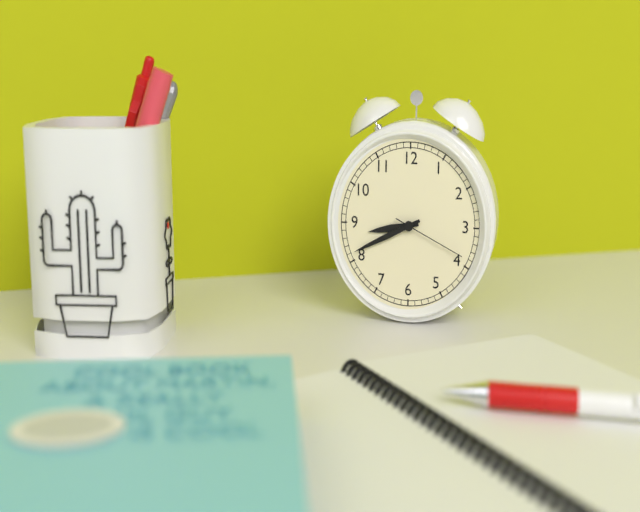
8:41:19
